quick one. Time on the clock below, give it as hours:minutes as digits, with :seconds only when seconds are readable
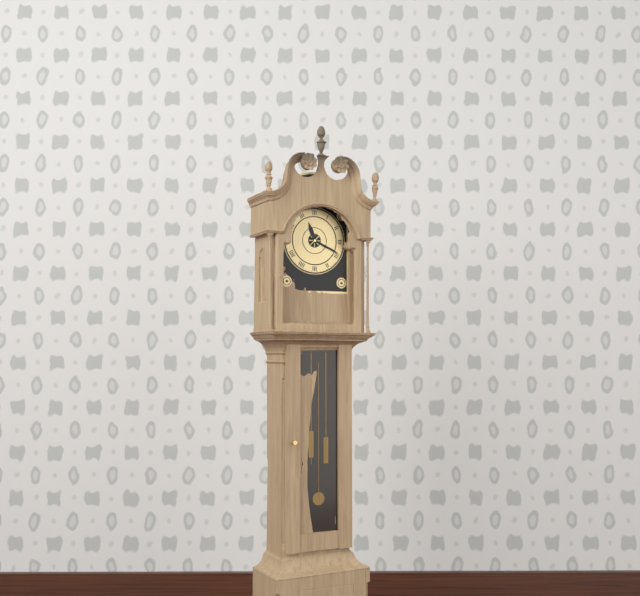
11:19
